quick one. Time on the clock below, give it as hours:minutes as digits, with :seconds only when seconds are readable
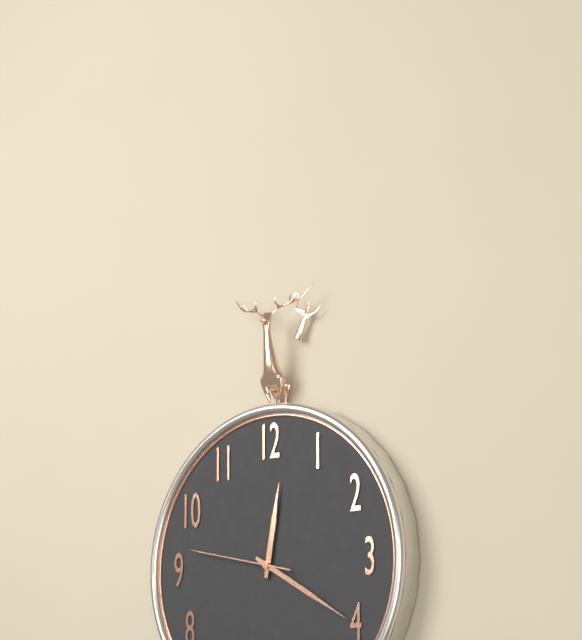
12:20:47
